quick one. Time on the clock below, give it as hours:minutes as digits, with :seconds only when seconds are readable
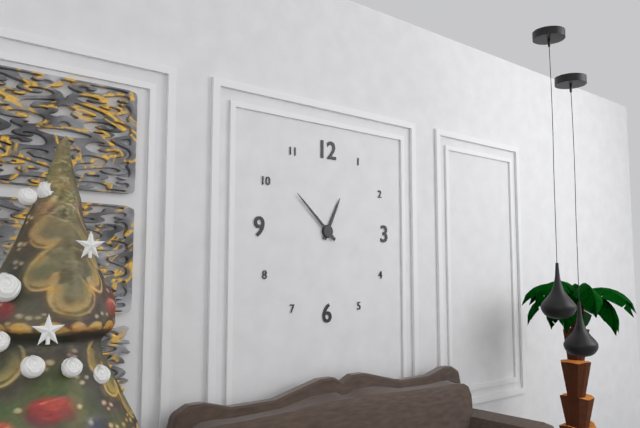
12:52
